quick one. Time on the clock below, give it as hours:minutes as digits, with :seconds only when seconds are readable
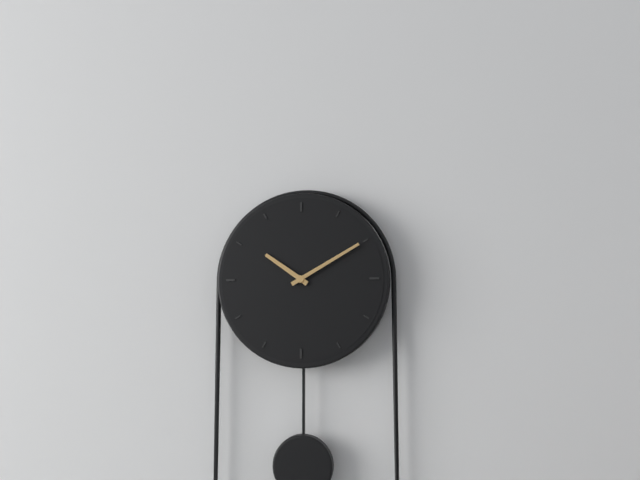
10:10
